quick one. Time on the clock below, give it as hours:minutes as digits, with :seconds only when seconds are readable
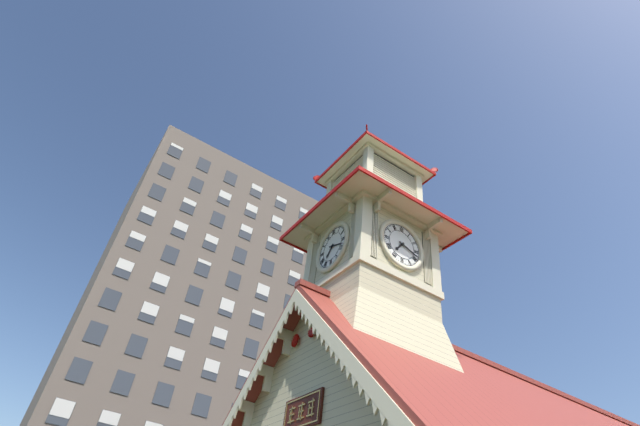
7:18
